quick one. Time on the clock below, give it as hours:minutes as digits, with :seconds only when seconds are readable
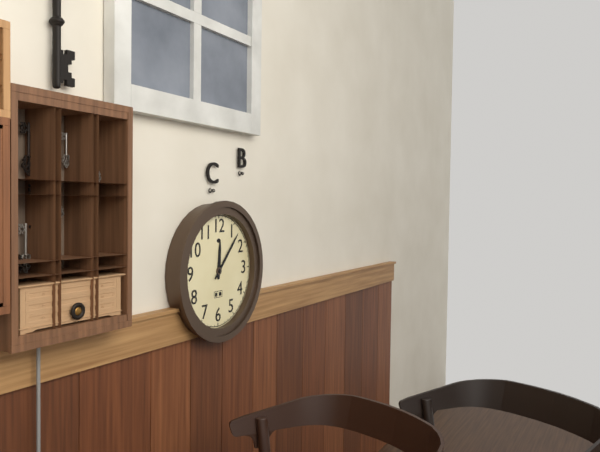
12:07
